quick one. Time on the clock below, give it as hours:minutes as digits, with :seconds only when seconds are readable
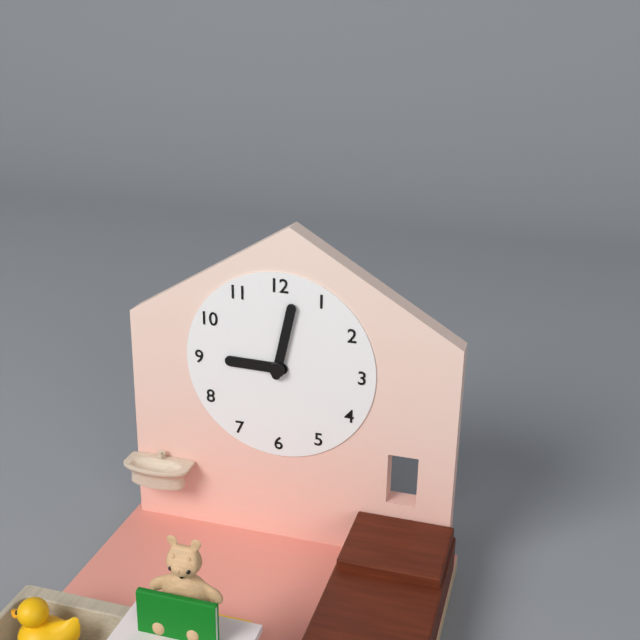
9:02
